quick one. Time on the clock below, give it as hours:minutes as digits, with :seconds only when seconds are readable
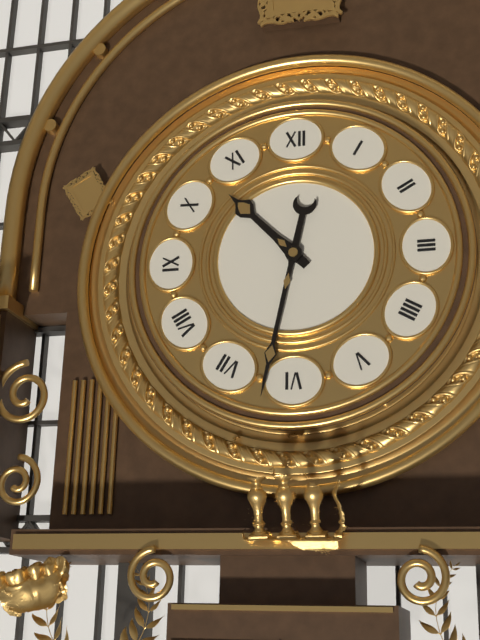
10:32
